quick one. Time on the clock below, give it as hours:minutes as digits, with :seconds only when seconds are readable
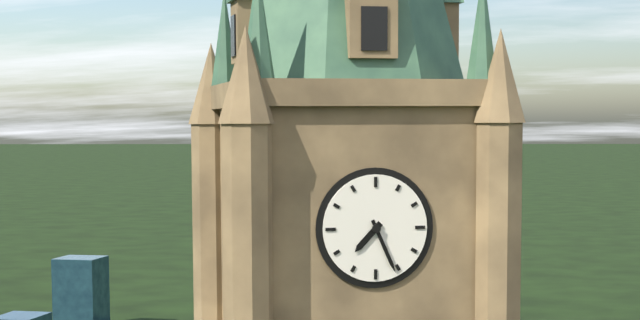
7:26
